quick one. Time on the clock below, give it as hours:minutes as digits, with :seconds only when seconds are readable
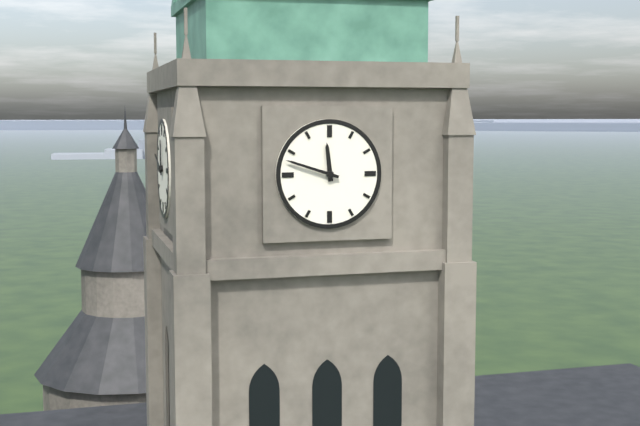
11:48
